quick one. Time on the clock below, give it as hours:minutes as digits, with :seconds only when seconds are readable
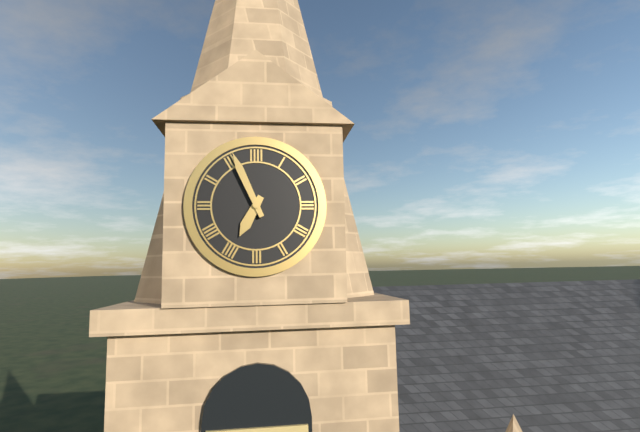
6:56
